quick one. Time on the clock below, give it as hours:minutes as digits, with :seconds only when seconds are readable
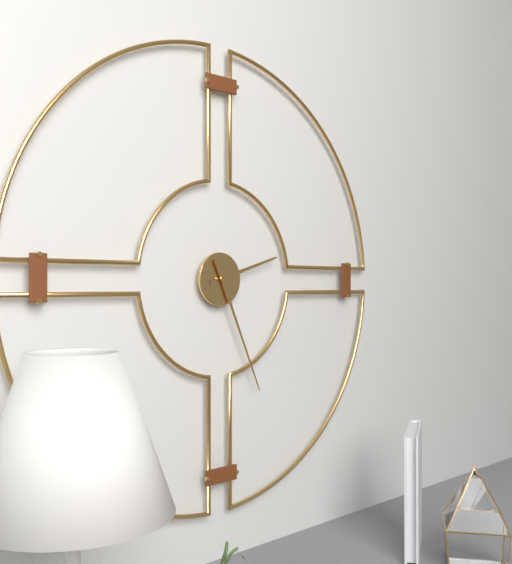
2:26
